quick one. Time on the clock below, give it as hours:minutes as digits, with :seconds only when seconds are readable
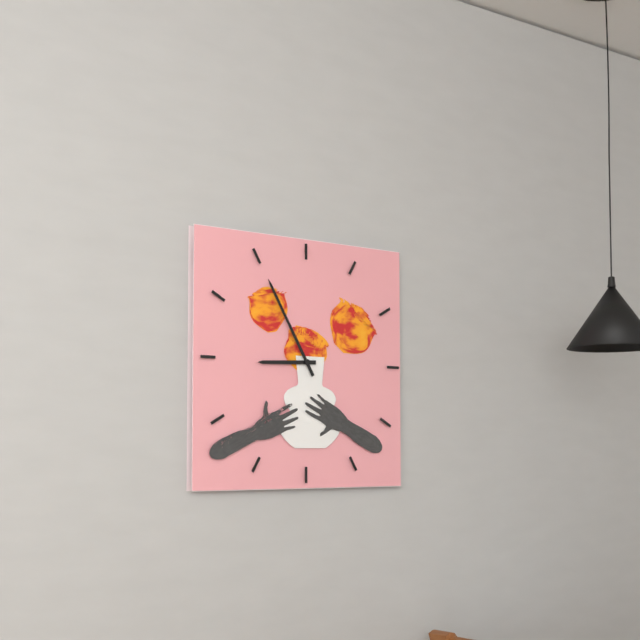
8:55
